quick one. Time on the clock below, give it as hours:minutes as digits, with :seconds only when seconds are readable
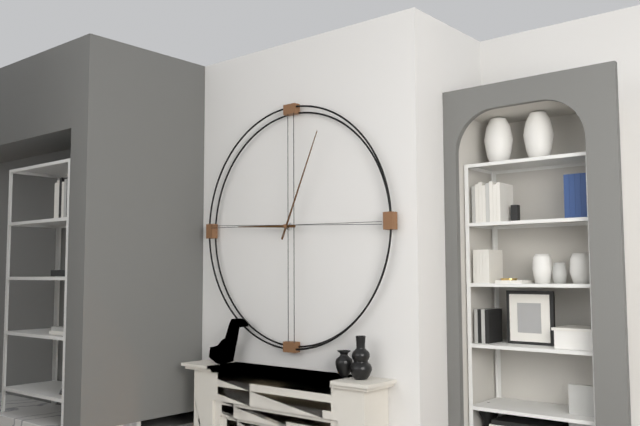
9:04
